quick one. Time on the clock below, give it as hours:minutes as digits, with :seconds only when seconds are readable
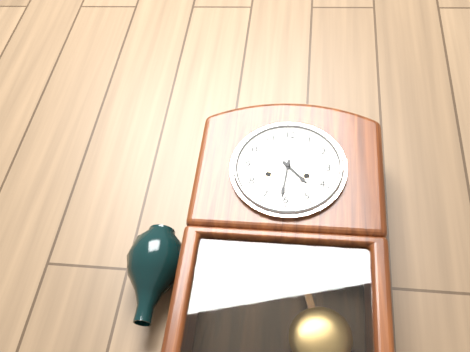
4:31
